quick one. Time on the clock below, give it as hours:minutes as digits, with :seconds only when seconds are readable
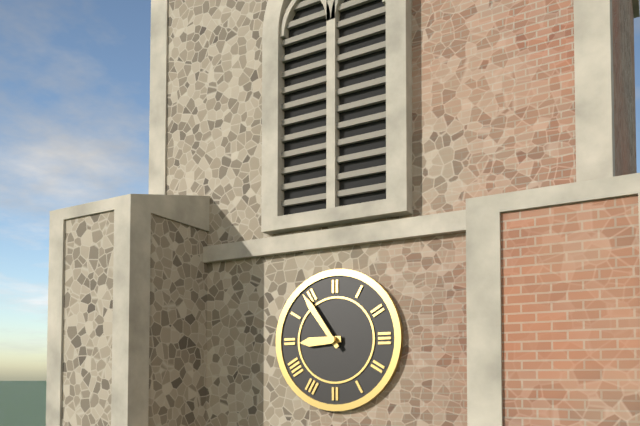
8:54
